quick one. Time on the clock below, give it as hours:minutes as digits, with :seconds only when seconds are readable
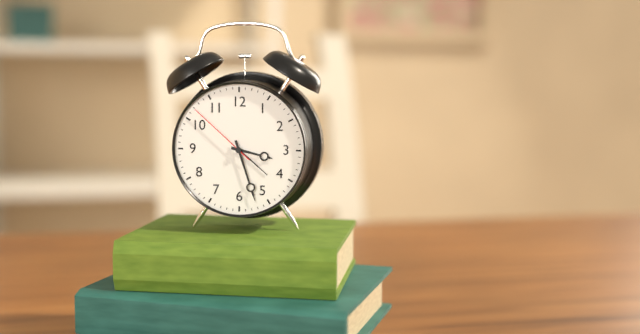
3:27:52
